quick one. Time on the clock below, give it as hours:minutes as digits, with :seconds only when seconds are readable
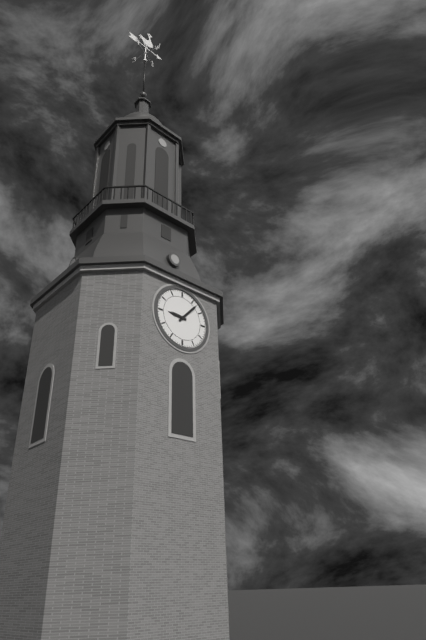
9:07
